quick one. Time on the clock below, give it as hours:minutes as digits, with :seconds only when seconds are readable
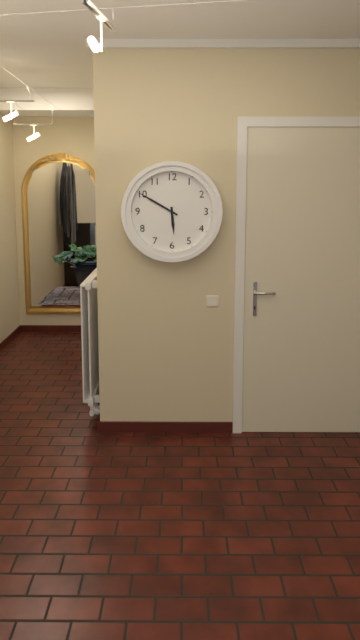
5:50
